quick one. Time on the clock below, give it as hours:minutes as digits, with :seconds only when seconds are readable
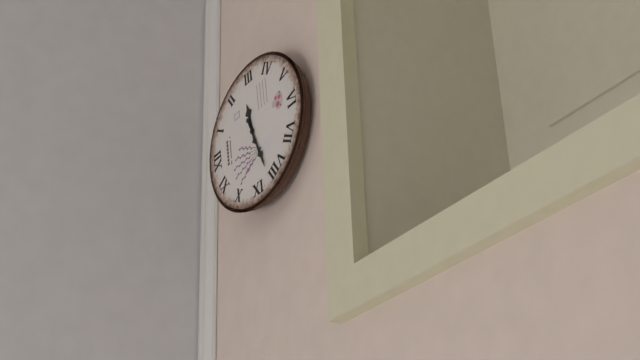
2:42
